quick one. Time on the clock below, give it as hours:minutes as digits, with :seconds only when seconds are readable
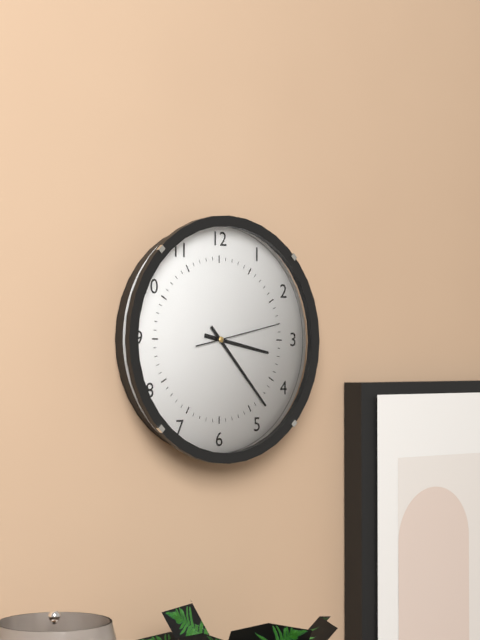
3:23:13
